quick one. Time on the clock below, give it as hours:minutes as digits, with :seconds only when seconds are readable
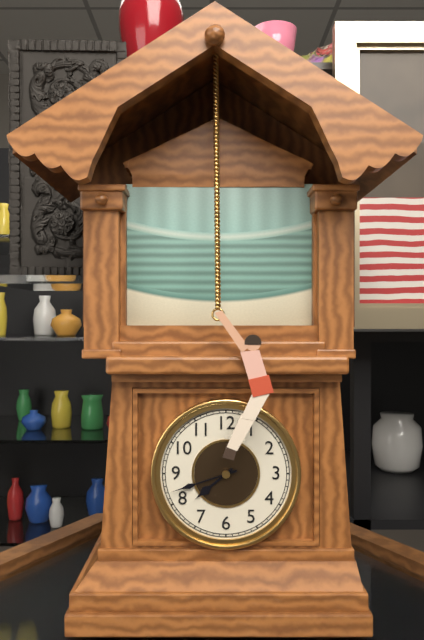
7:42
